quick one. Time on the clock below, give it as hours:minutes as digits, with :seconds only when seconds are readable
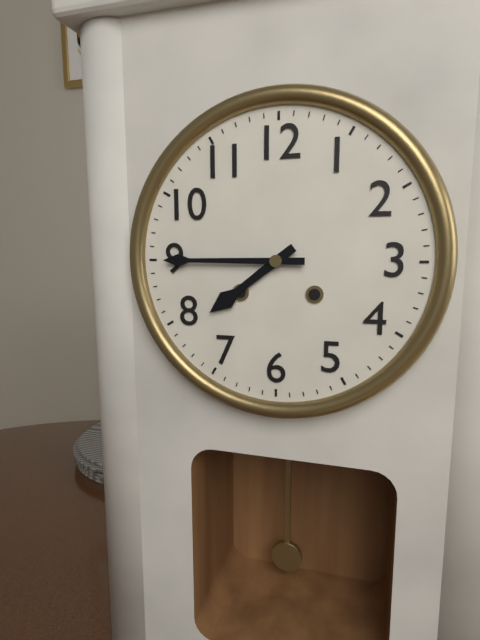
7:45
